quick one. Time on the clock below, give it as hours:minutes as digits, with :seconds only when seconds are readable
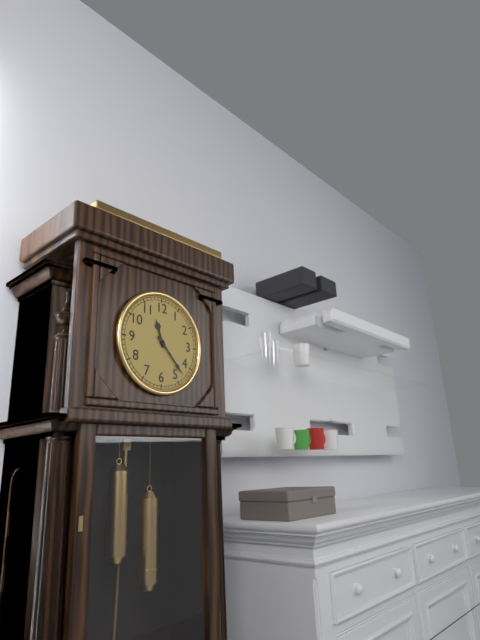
11:23
